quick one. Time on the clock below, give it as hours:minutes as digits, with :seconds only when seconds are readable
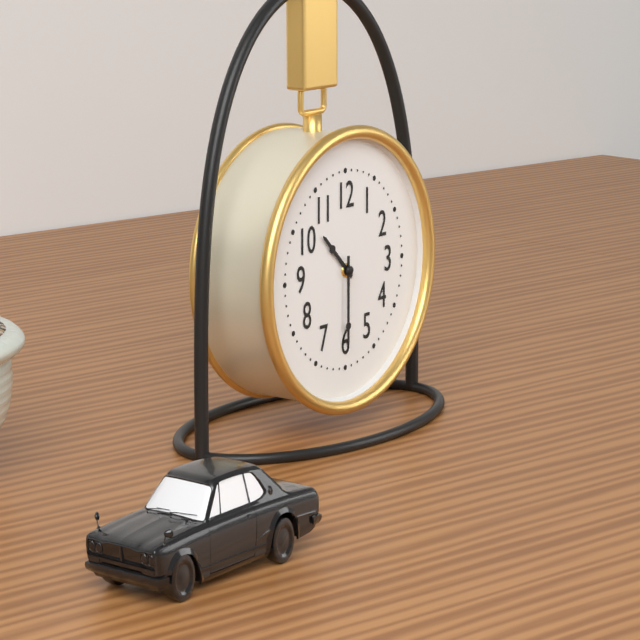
10:30
